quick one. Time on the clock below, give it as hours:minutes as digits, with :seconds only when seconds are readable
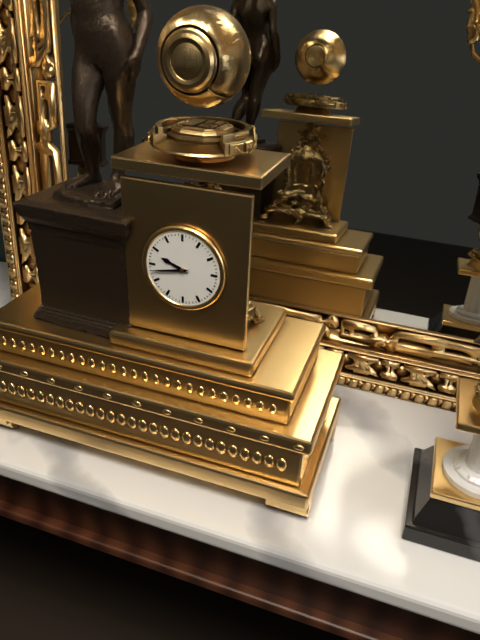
9:43
